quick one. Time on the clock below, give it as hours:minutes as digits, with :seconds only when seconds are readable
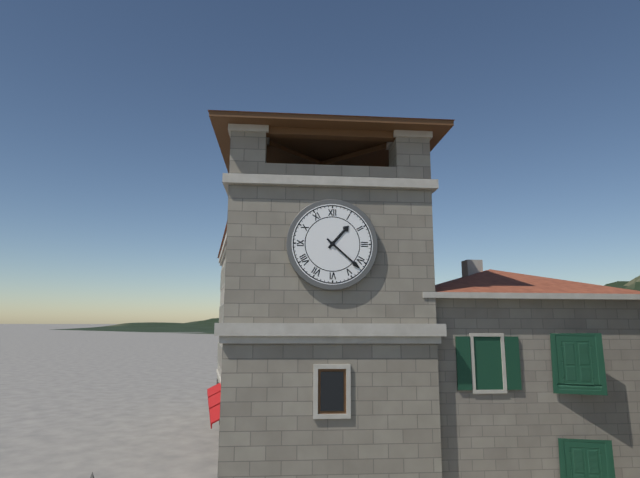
1:22
